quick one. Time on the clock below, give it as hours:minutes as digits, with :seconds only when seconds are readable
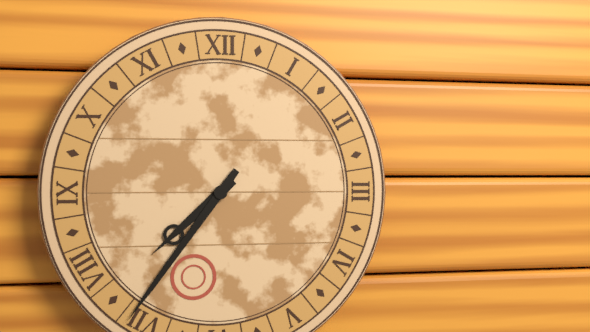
7:36
